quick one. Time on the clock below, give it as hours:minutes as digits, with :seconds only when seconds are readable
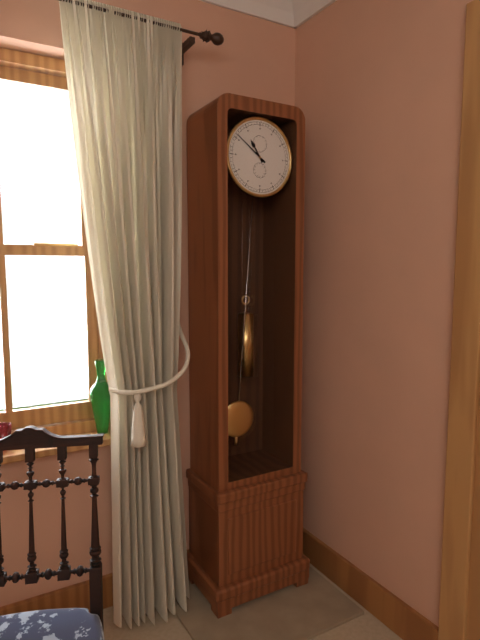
10:51
